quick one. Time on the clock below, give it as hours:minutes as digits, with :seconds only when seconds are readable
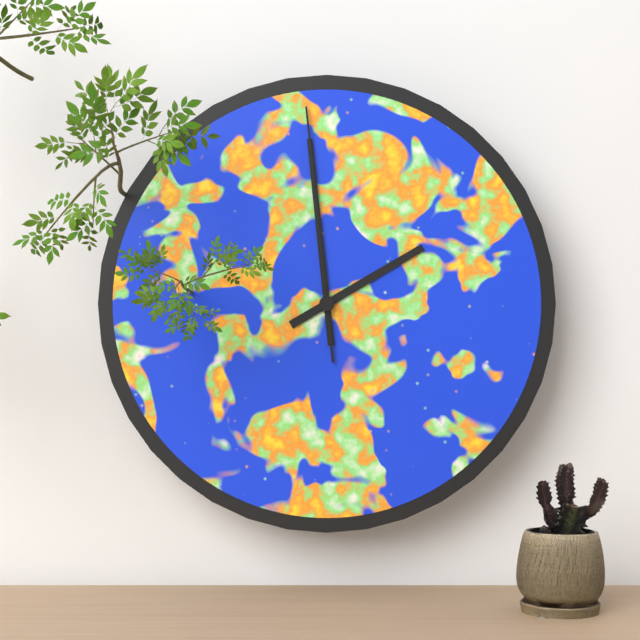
1:59:59
